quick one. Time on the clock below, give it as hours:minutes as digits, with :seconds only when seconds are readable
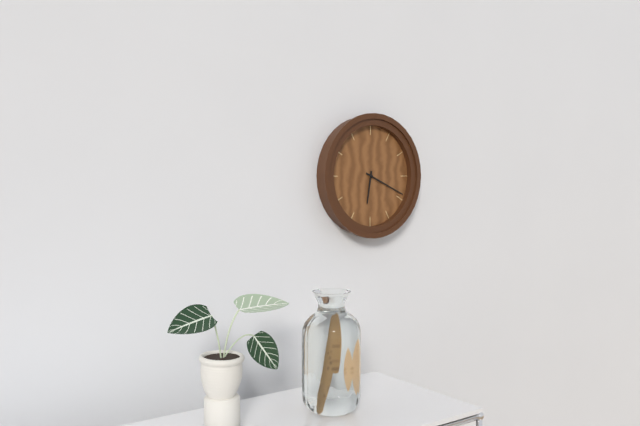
6:19
